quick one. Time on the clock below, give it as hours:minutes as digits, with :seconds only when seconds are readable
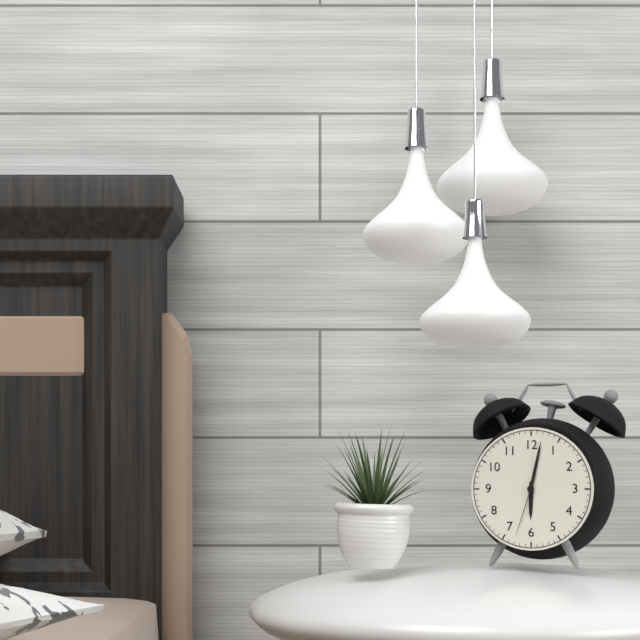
6:02:33
